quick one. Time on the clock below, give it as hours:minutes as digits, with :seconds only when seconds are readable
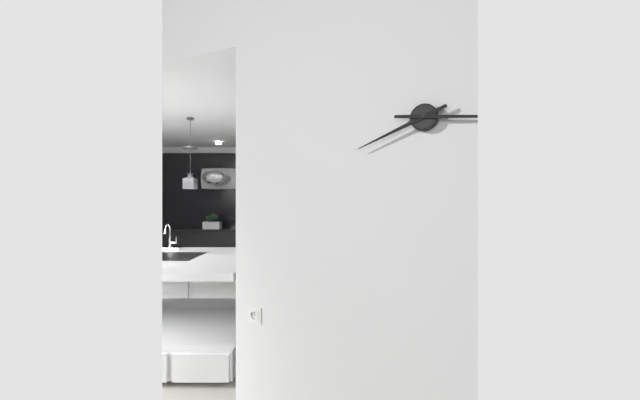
8:16
